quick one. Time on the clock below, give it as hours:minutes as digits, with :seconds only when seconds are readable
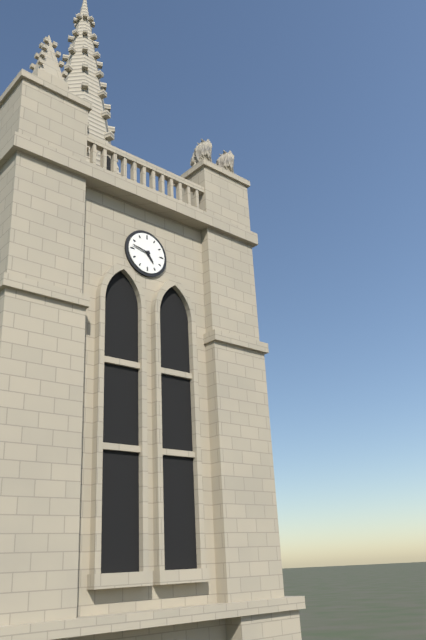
4:47
